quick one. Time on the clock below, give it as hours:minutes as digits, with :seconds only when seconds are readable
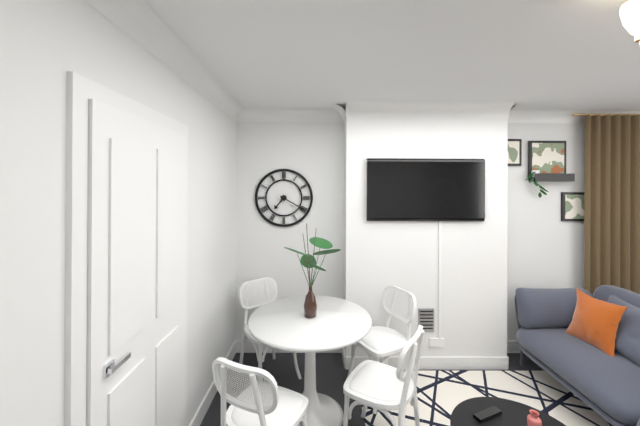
7:20
